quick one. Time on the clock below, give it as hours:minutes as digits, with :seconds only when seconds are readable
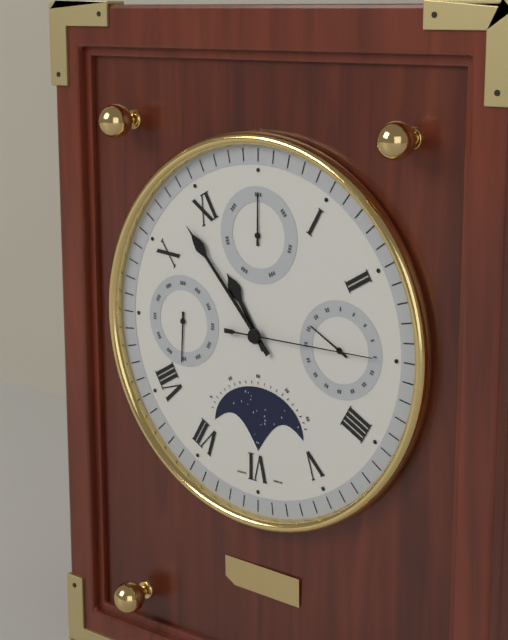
10:53:15
